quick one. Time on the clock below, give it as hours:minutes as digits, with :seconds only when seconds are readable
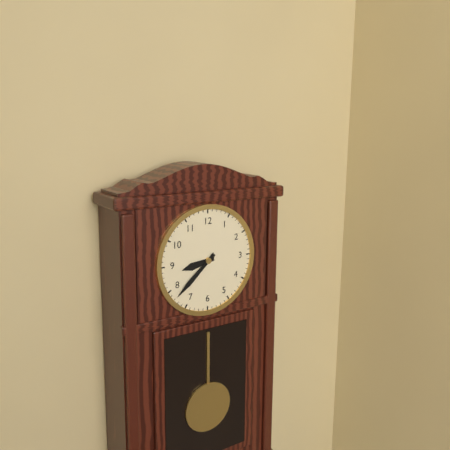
8:38
